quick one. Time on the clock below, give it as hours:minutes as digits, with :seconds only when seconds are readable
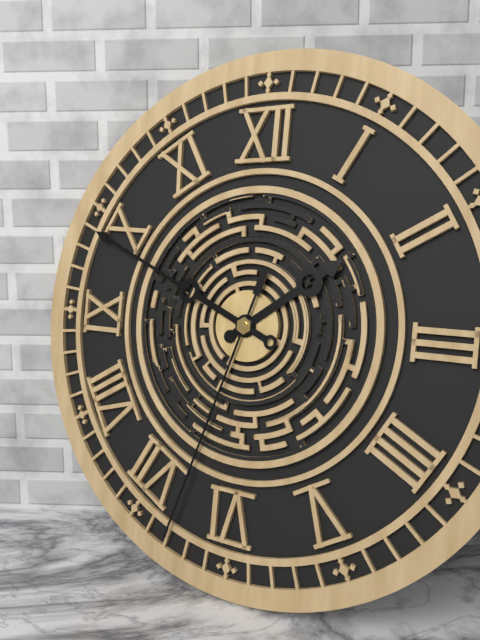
1:49:33
